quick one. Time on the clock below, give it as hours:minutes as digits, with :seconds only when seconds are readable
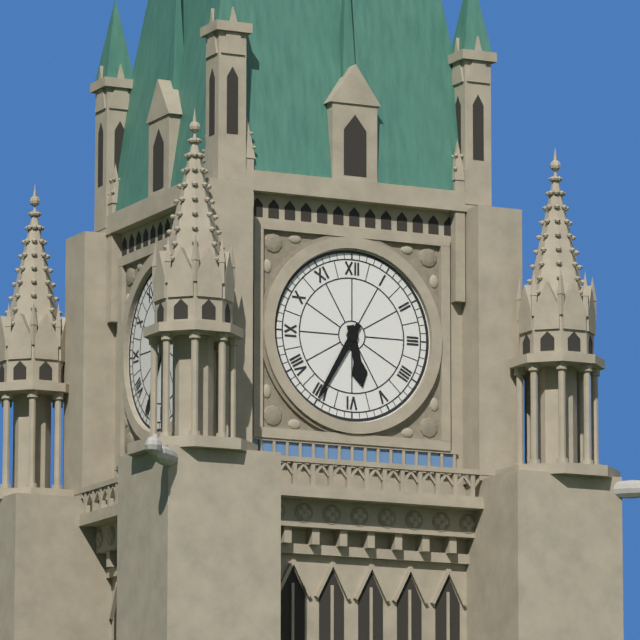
5:35
